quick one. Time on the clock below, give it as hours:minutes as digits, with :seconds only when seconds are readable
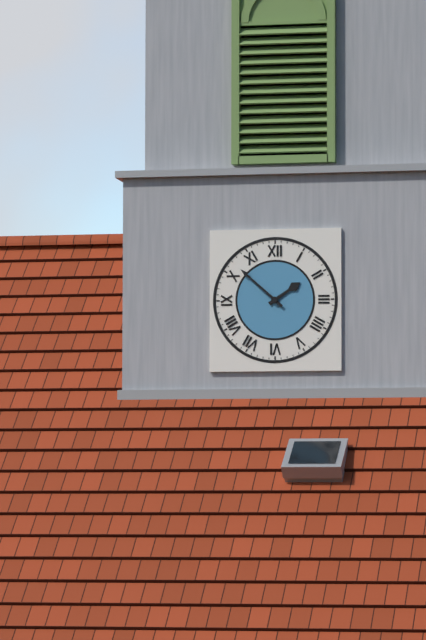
1:52
